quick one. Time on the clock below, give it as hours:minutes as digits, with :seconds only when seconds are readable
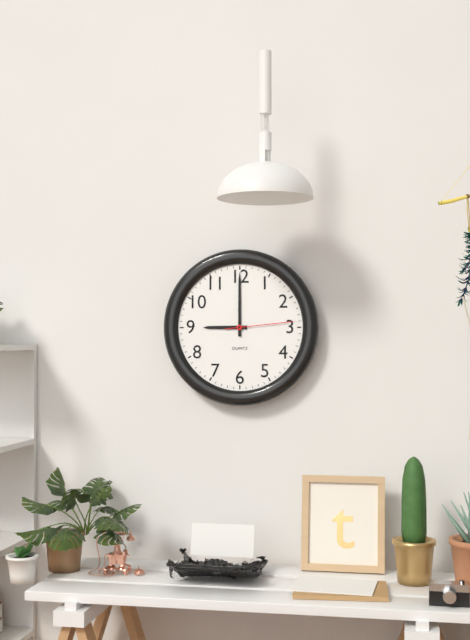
9:00:14
